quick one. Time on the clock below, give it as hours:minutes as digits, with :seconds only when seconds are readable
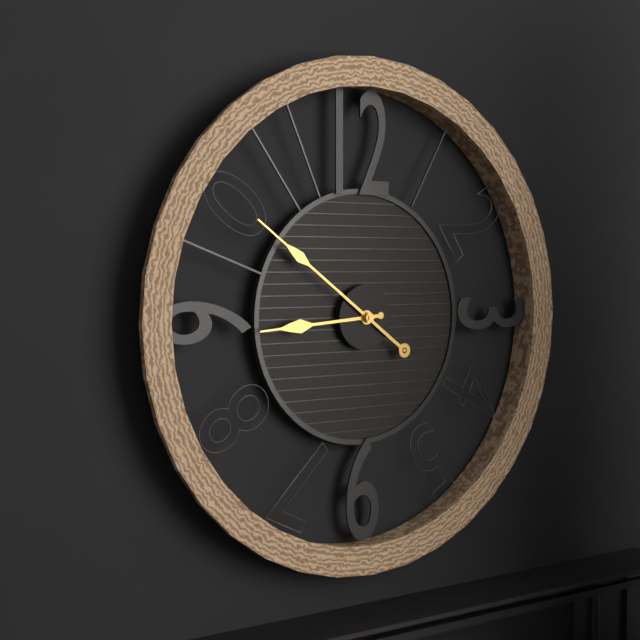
8:51
